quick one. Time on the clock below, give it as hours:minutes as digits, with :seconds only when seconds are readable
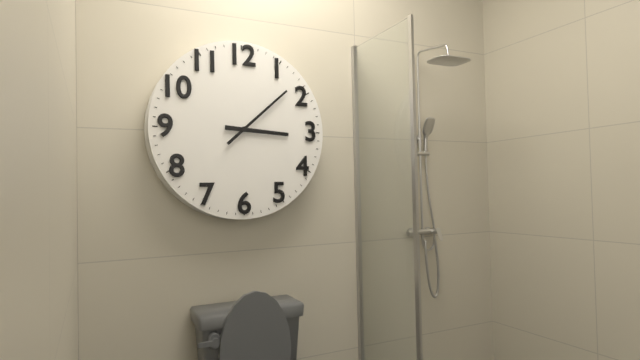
3:08
